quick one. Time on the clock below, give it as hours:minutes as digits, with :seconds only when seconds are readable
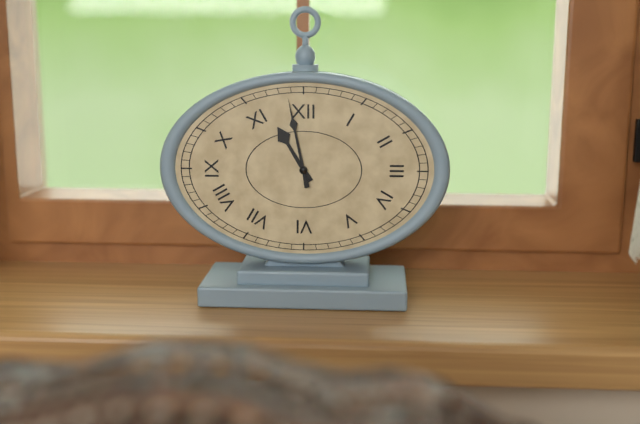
10:58
